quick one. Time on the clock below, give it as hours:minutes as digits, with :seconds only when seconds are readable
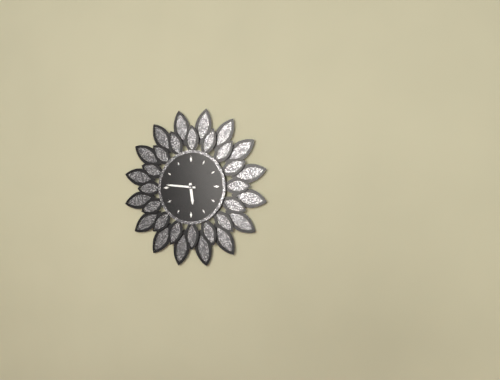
5:46
